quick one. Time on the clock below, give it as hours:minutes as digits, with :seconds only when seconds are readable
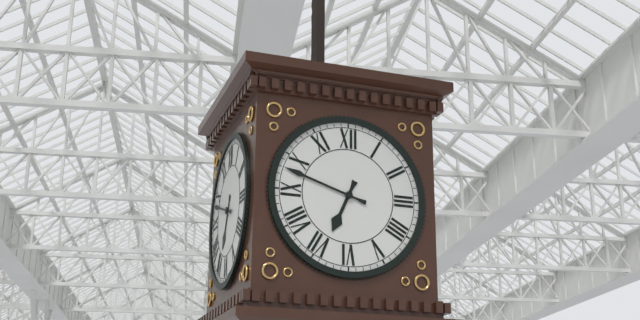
6:48
